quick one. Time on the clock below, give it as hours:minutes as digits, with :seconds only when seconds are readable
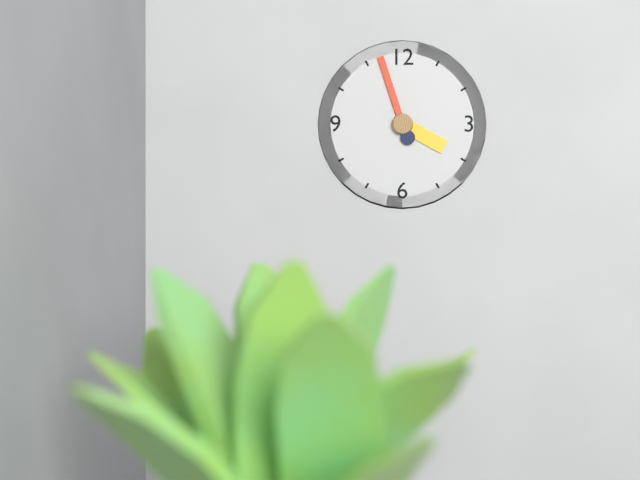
3:57
